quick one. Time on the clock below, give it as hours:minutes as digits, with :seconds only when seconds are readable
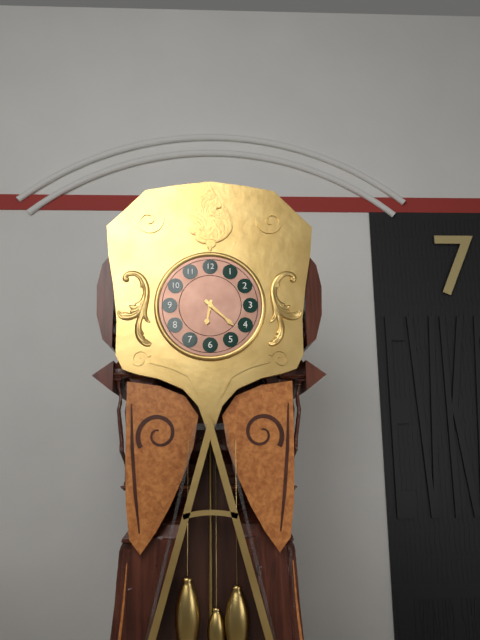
6:22
